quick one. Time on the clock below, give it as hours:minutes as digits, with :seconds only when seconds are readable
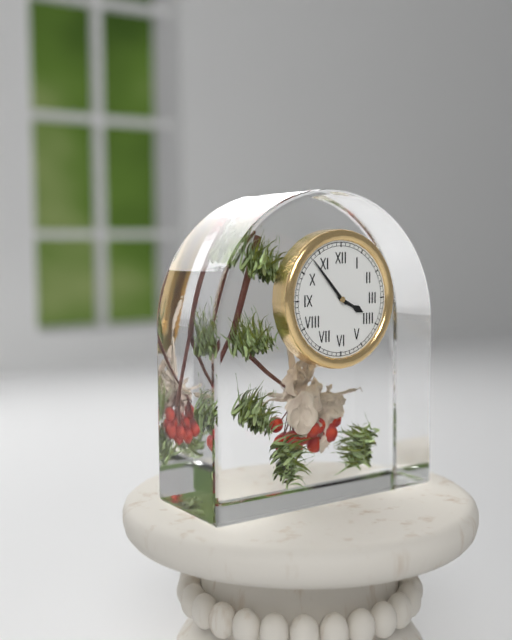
3:53
